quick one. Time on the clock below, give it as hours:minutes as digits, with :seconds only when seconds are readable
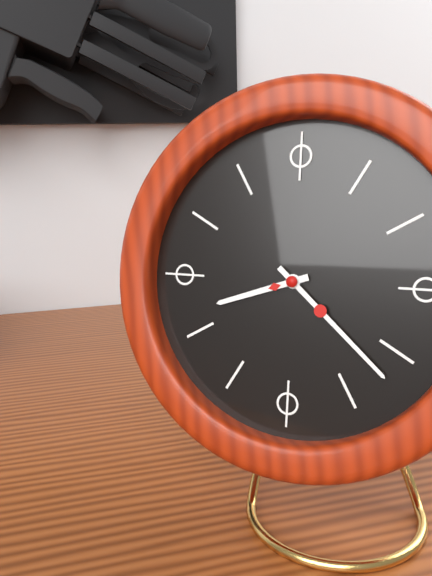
8:22
